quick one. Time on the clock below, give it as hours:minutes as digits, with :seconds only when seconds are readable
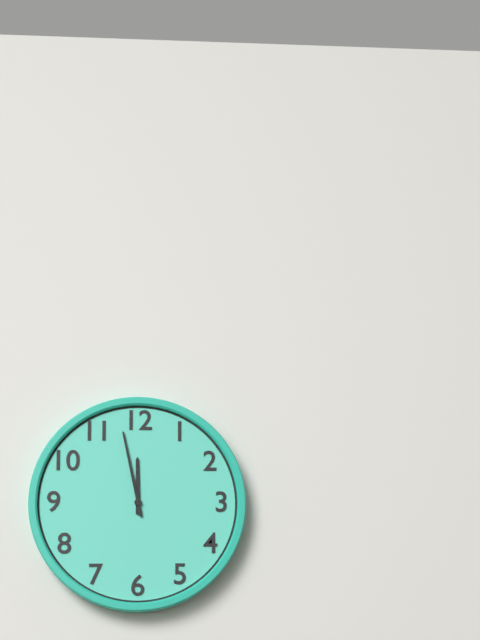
11:58
